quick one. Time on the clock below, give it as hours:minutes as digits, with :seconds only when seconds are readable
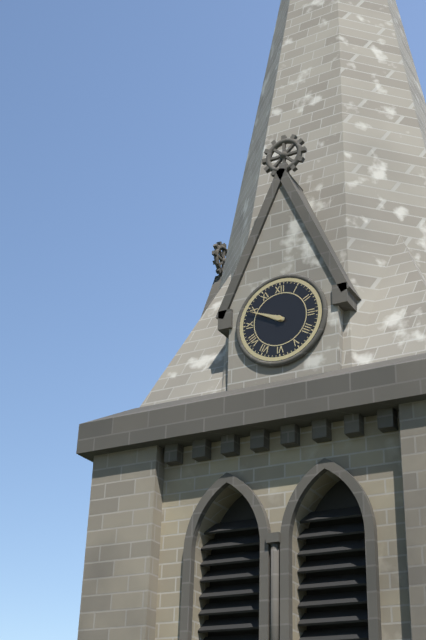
9:49
